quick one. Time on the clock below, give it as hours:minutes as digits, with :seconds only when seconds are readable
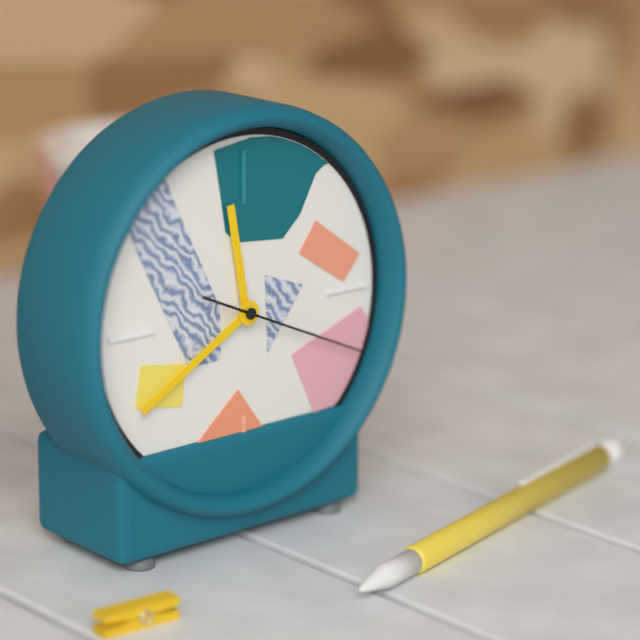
11:40:19
